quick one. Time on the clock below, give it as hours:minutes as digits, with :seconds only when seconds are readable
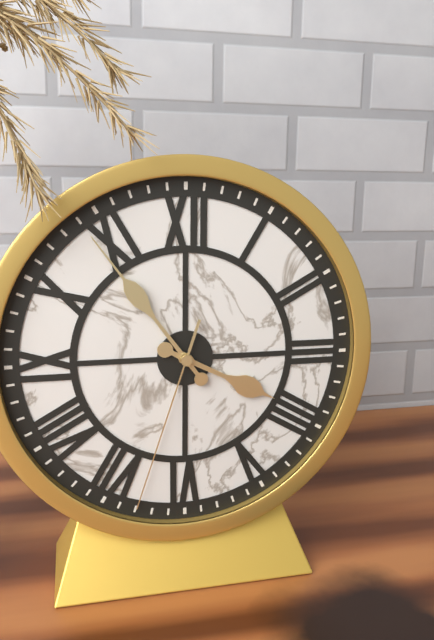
3:54:33
